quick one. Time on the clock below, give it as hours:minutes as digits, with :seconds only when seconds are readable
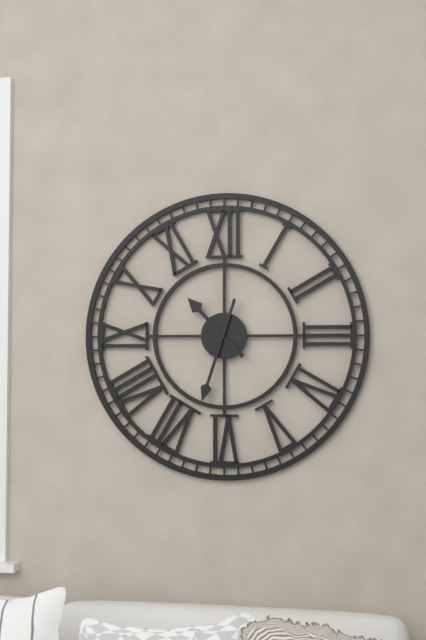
10:33
